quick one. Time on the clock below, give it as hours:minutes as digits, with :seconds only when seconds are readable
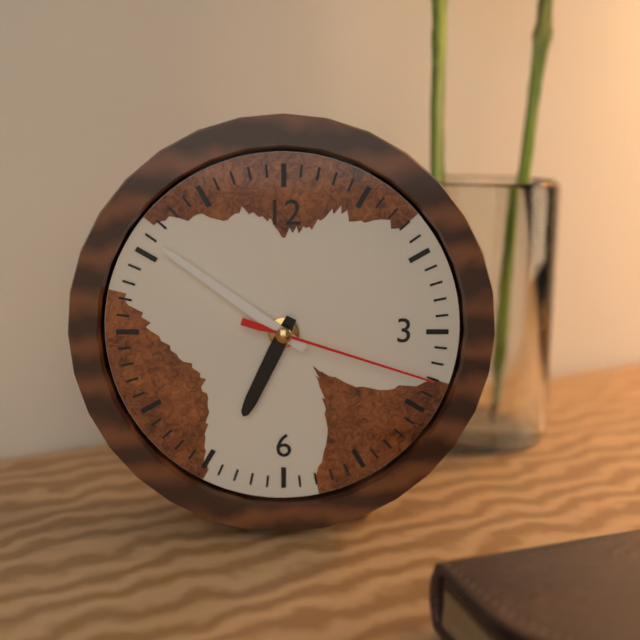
6:51:18
